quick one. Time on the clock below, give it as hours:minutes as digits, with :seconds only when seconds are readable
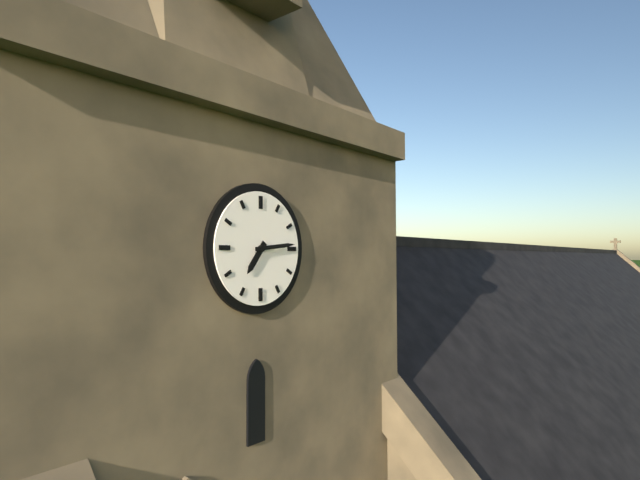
7:14
